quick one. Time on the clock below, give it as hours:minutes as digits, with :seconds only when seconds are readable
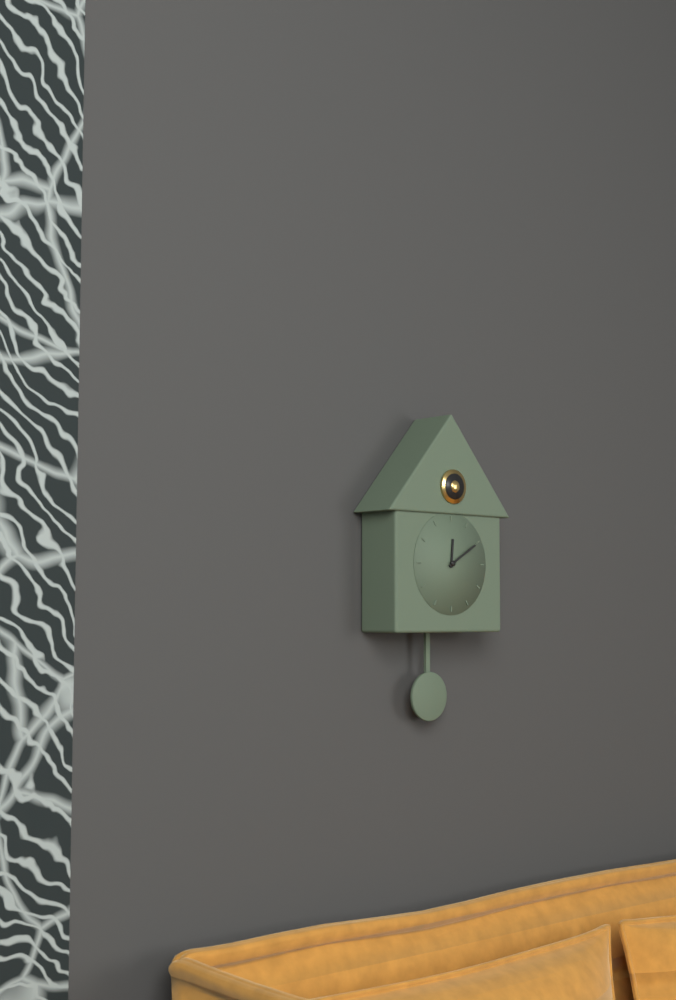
12:10
